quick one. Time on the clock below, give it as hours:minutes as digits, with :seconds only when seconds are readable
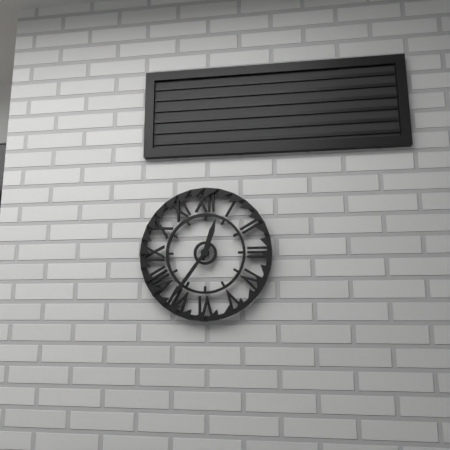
12:36
